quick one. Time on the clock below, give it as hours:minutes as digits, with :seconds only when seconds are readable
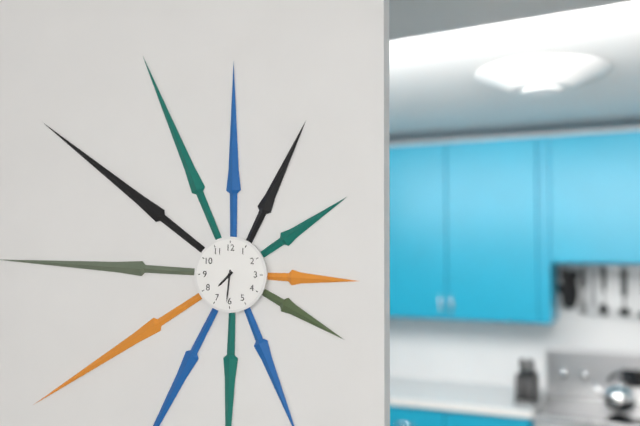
7:31
